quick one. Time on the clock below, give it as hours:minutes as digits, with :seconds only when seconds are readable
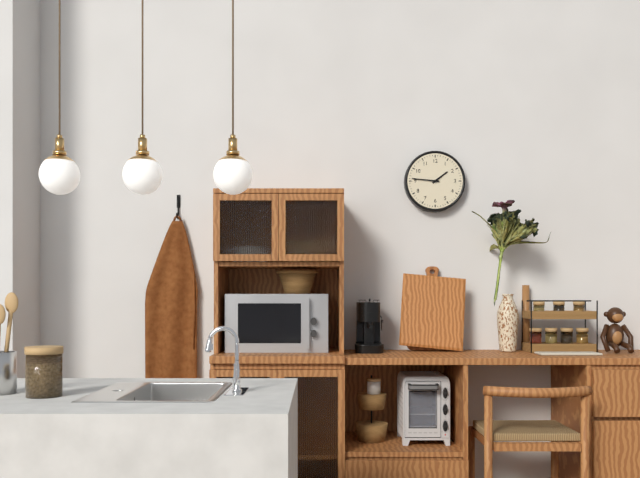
1:46
